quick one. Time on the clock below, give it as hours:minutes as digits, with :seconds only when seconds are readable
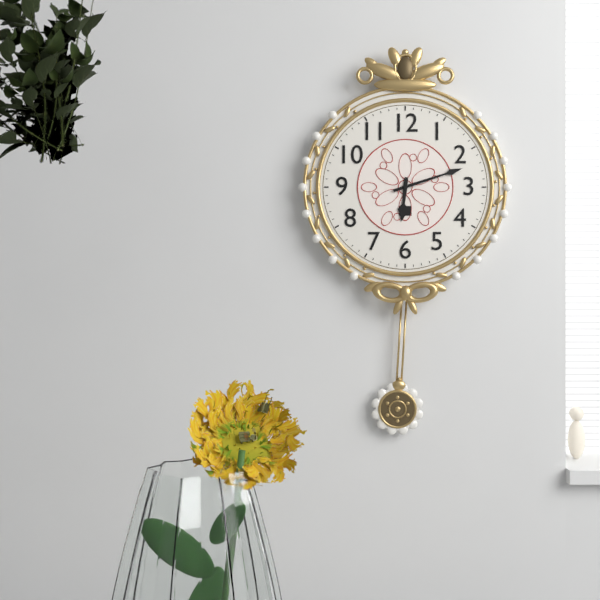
6:12
